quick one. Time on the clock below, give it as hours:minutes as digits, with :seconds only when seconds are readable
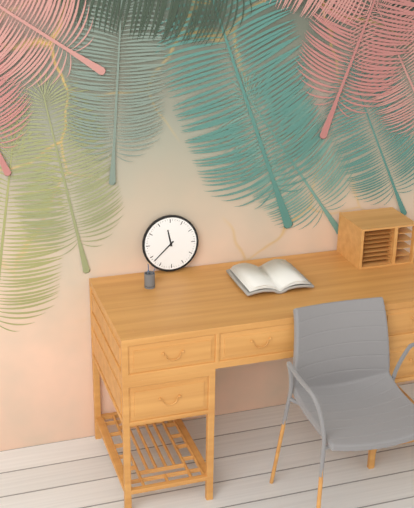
11:38
